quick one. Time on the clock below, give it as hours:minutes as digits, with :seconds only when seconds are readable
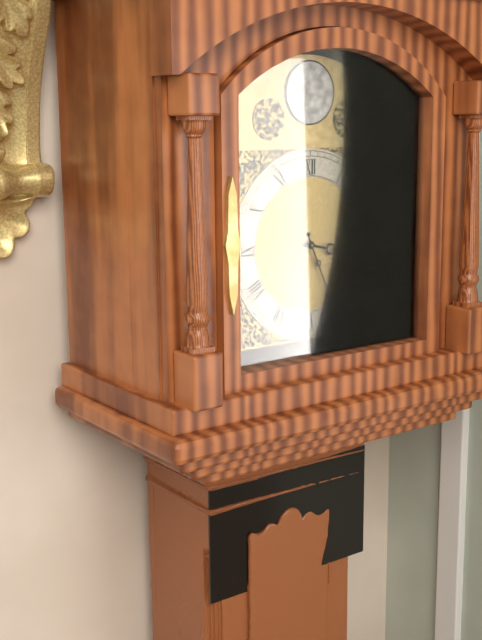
3:26
